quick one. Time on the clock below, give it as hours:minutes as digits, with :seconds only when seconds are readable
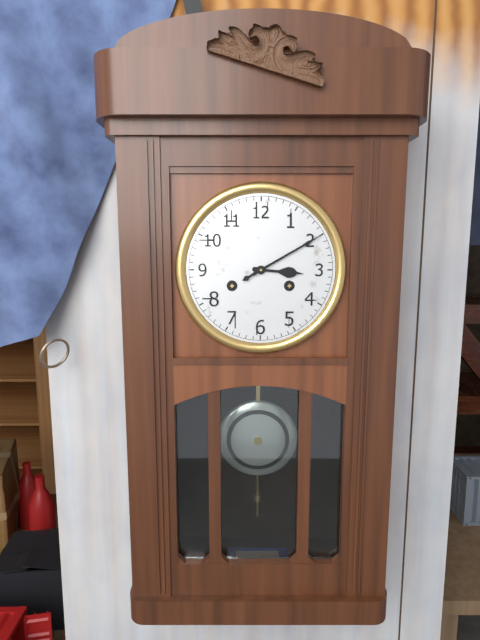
3:10
